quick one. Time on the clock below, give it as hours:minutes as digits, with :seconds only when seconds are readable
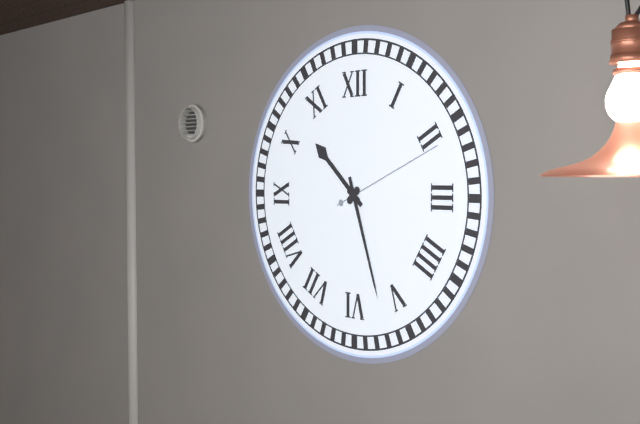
10:27:11
